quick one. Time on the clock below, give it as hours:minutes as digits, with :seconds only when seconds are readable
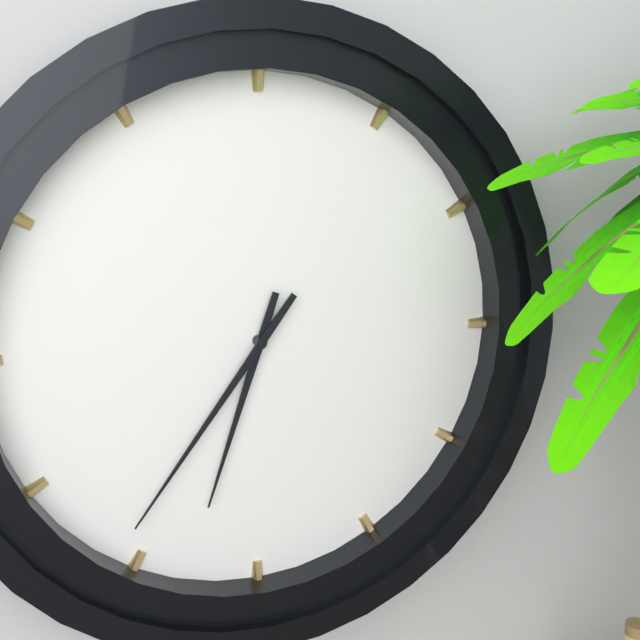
6:36
